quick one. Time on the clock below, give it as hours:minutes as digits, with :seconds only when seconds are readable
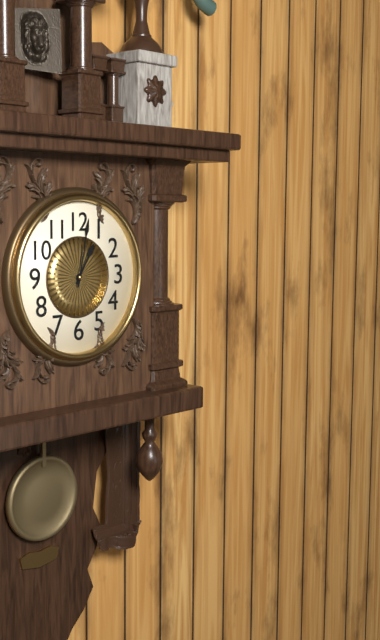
1:02
